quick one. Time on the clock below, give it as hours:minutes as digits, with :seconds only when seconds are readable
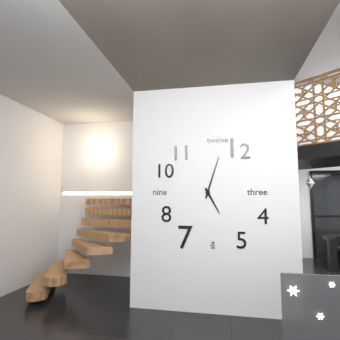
5:03
